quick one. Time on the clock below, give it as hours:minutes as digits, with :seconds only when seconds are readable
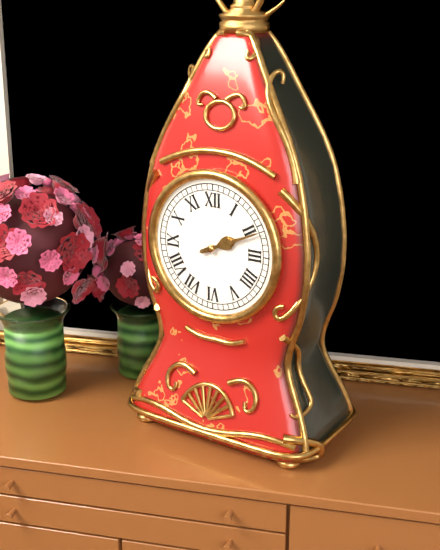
2:11
